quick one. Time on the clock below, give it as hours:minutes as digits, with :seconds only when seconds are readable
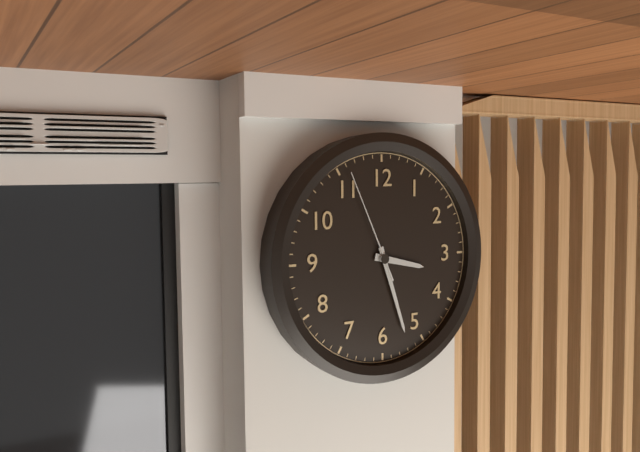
3:27:56
